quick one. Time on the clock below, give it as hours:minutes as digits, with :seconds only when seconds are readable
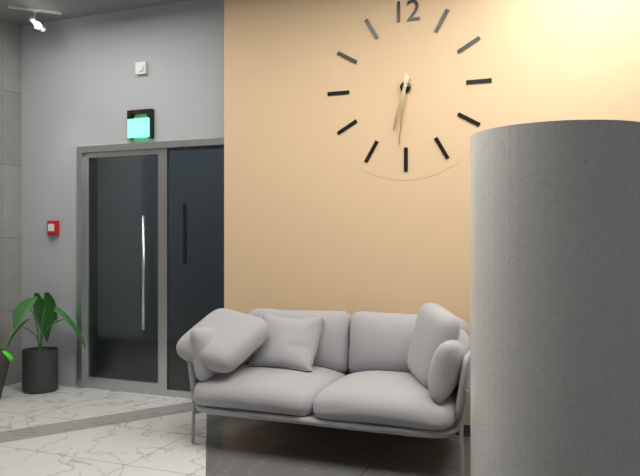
6:31
